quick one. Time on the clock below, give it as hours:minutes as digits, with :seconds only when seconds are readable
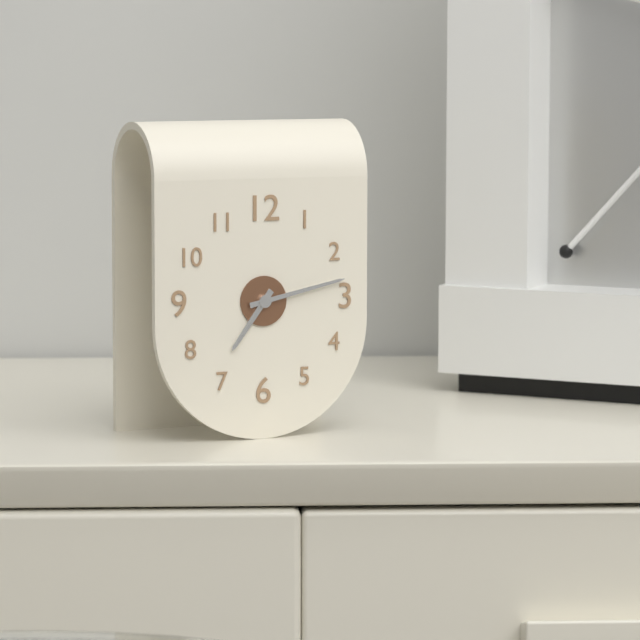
7:13
